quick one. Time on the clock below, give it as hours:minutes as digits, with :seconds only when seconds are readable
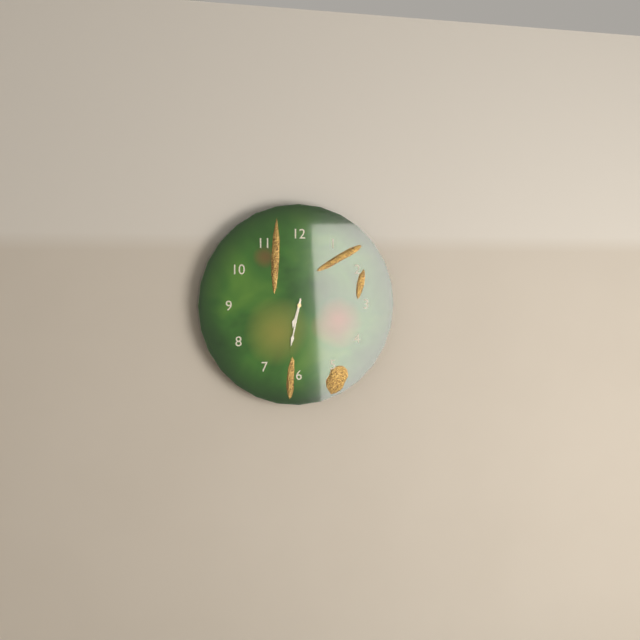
6:32
